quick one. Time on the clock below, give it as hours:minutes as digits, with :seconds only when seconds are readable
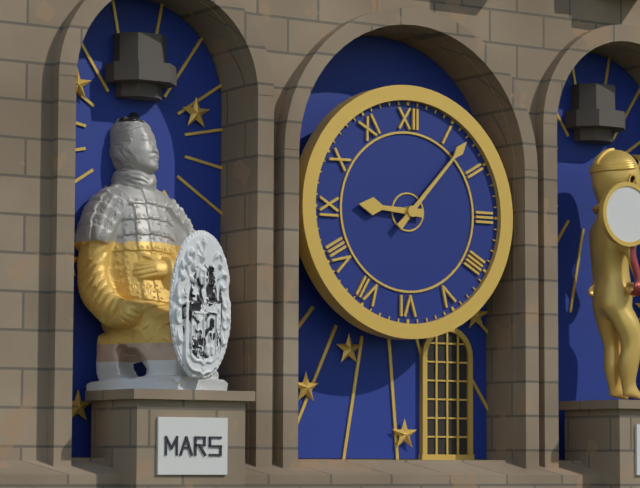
9:07
